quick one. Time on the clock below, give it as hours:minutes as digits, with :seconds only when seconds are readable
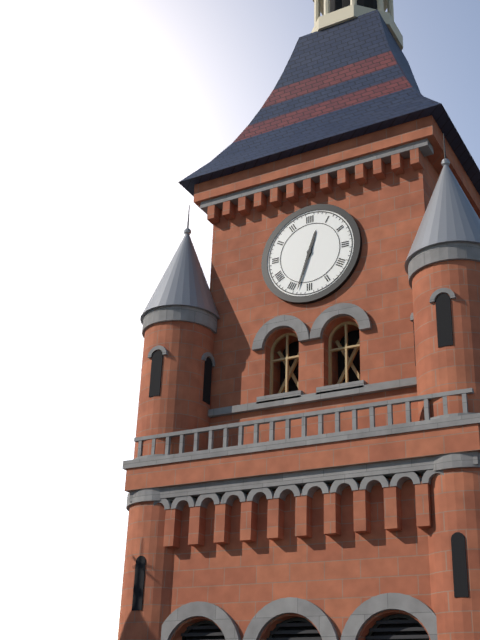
12:33
